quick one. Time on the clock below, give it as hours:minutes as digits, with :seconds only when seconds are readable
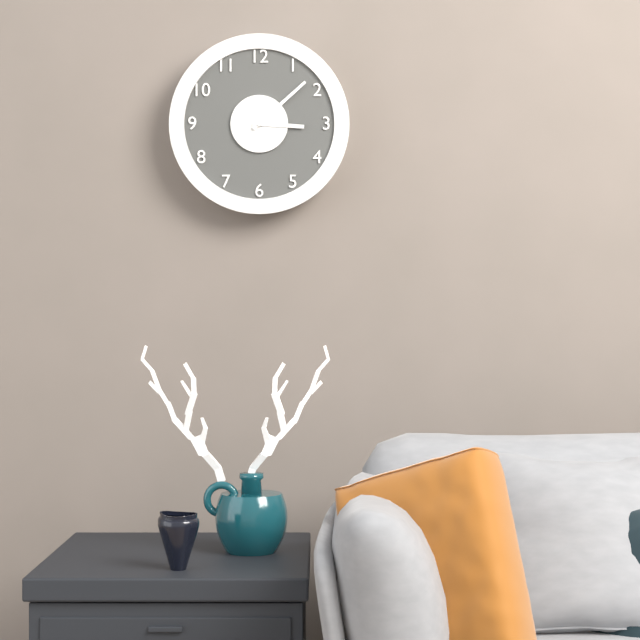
3:08
